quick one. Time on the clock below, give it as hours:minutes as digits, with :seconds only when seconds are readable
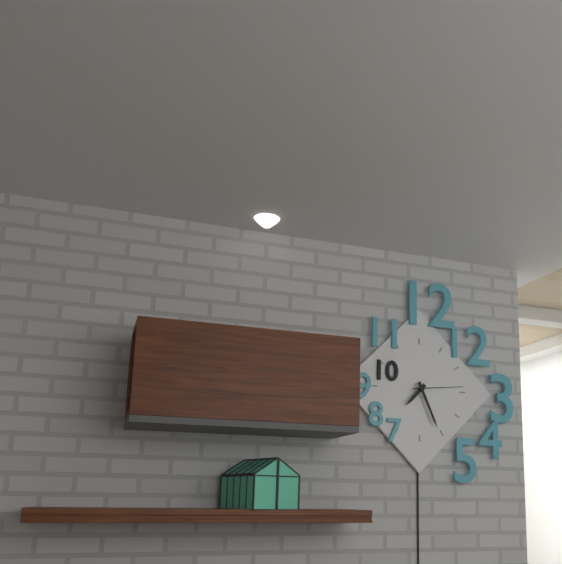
7:26:14
